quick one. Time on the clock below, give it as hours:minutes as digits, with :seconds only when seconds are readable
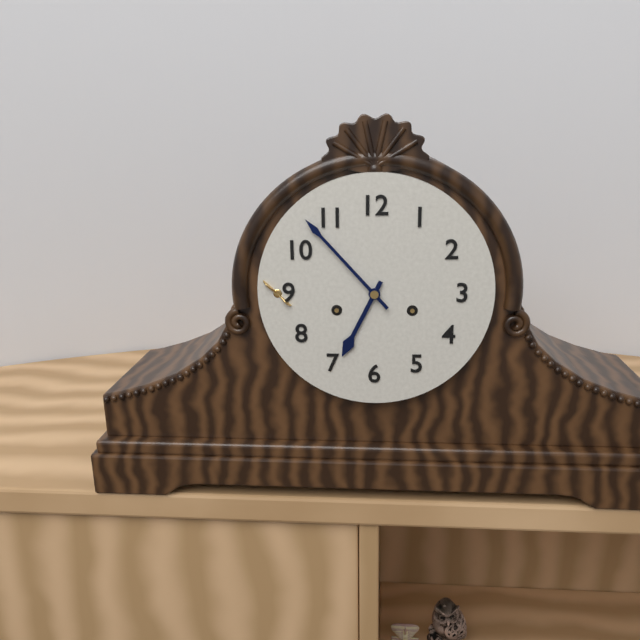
6:53
